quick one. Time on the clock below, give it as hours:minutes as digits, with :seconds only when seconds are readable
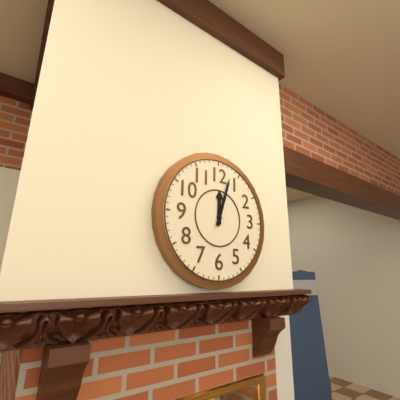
12:03
